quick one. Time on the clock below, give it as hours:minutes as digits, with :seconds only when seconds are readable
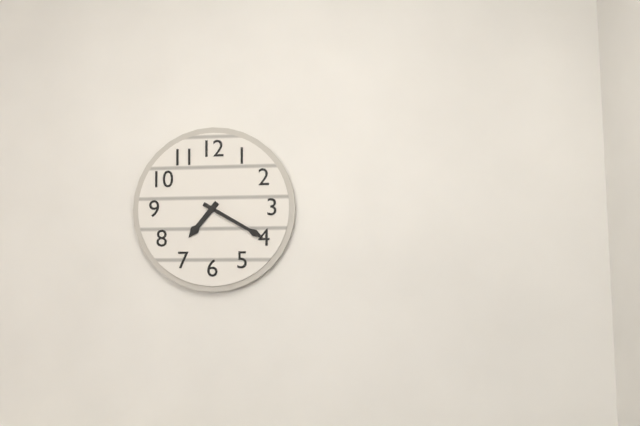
7:20
